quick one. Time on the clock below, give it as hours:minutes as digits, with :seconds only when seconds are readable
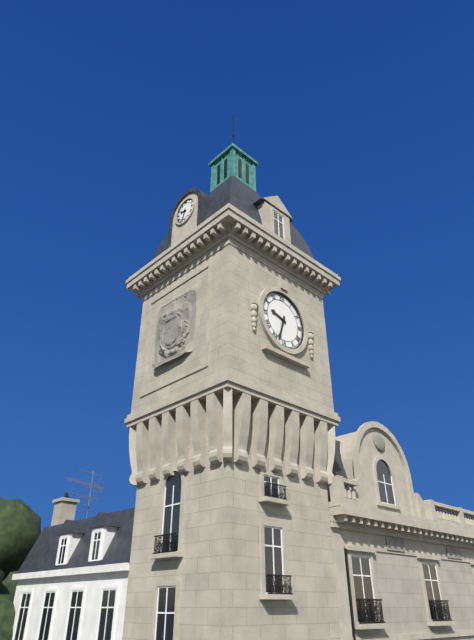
9:33
